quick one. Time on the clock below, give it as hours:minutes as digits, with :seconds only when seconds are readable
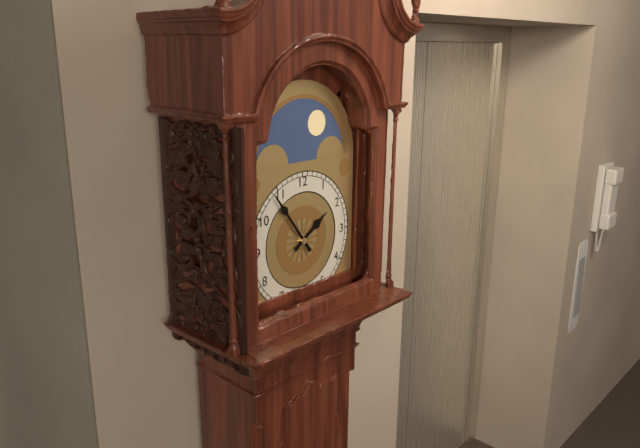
1:54
